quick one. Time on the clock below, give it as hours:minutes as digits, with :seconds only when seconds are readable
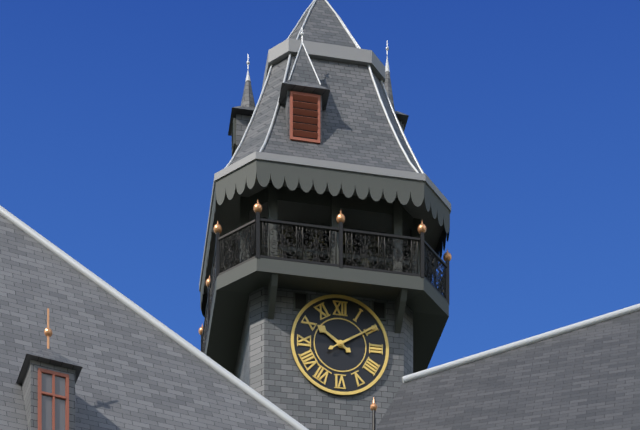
10:10
